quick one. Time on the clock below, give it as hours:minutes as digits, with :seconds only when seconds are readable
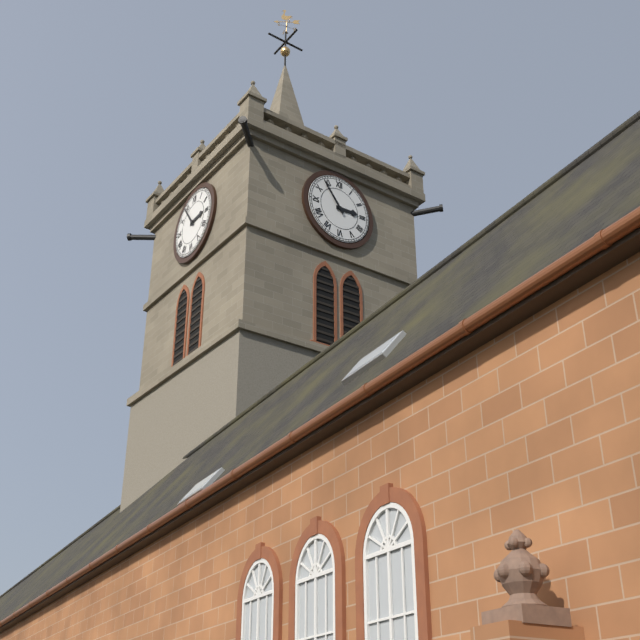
2:54
